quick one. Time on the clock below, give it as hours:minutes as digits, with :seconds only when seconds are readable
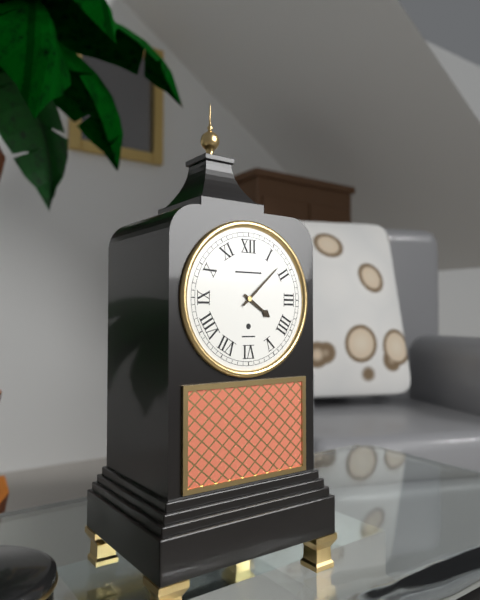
4:08
